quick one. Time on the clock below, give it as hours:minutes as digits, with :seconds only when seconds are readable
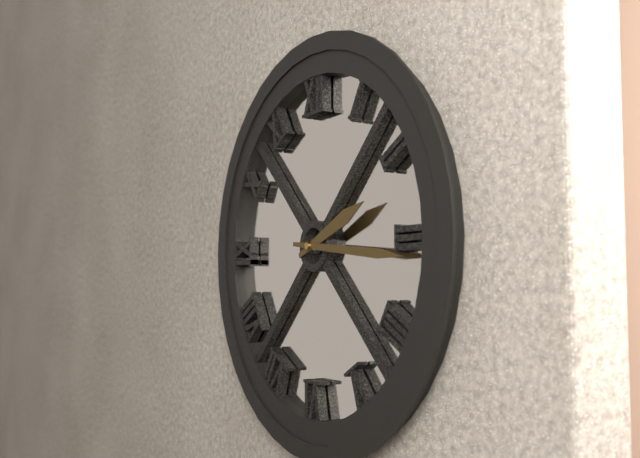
2:16
